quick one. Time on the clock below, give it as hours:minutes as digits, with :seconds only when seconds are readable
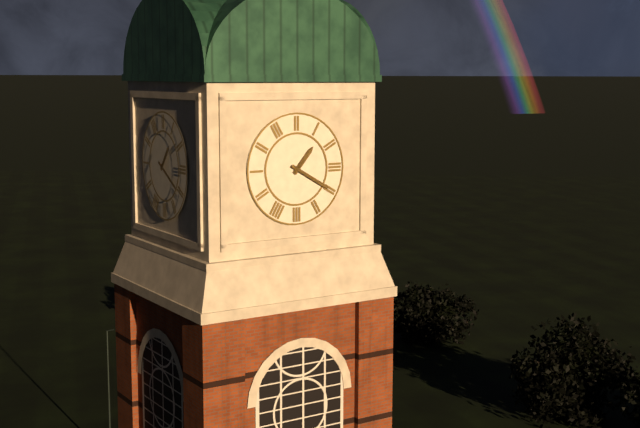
1:20
